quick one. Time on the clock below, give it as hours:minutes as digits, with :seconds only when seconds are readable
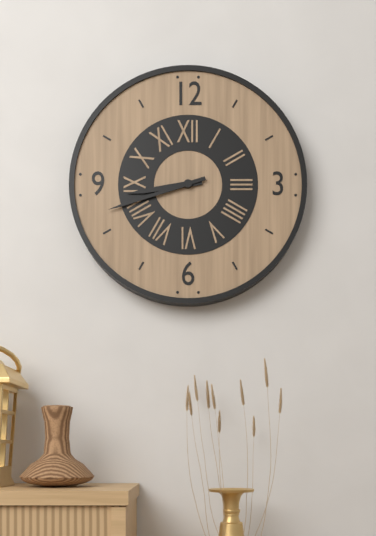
8:42
